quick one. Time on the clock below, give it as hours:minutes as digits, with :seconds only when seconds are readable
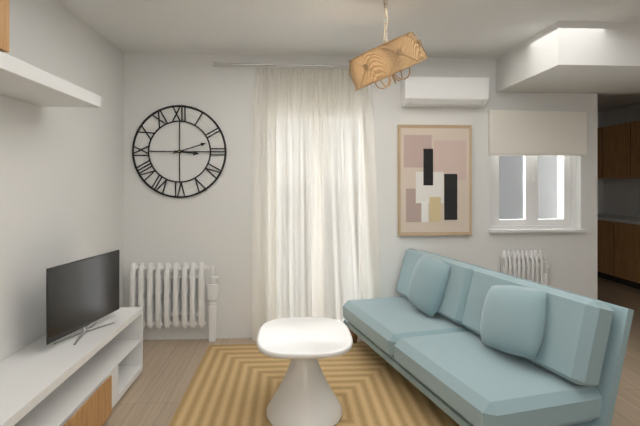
3:12
